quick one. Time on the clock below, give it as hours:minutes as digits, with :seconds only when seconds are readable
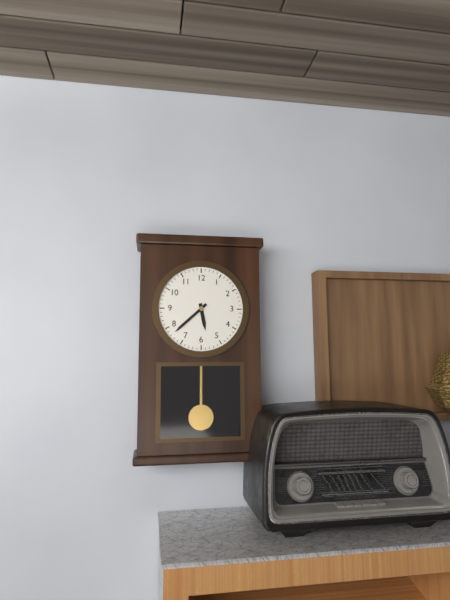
5:38
